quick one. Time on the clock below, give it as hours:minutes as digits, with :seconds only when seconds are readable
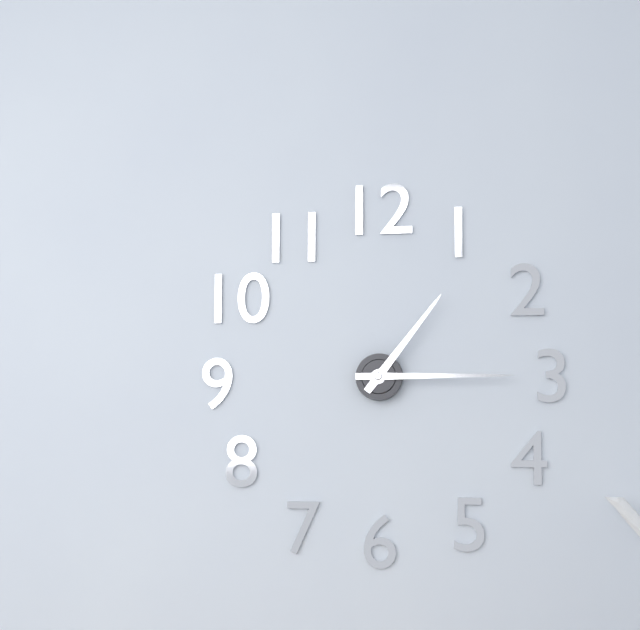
1:15
